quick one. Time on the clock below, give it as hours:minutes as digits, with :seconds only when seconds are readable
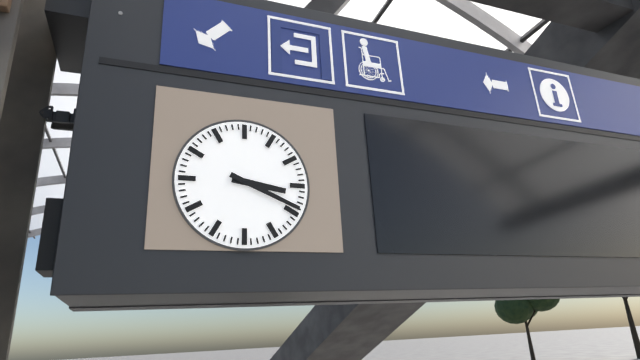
3:19
